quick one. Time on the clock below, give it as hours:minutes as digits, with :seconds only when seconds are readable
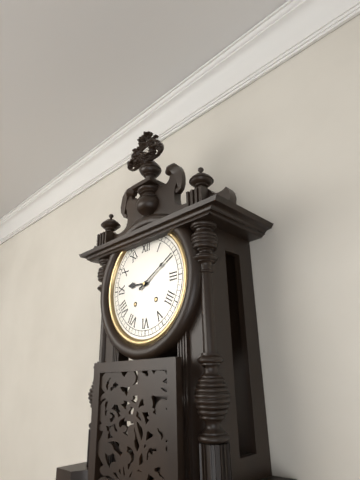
9:10
